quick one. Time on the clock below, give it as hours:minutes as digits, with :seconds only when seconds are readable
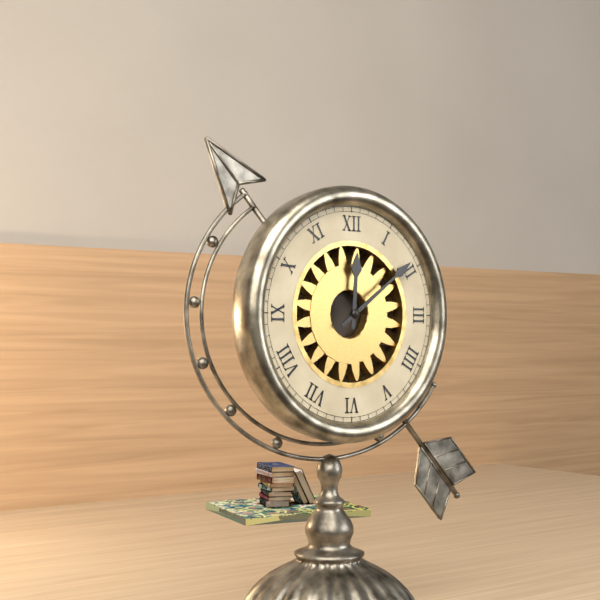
12:09
